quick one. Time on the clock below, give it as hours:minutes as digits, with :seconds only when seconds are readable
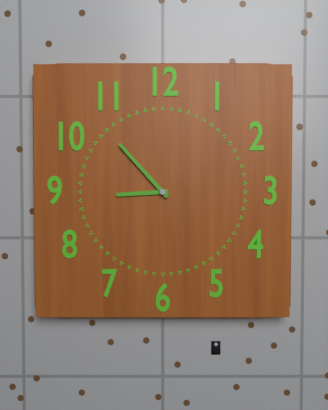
8:53
